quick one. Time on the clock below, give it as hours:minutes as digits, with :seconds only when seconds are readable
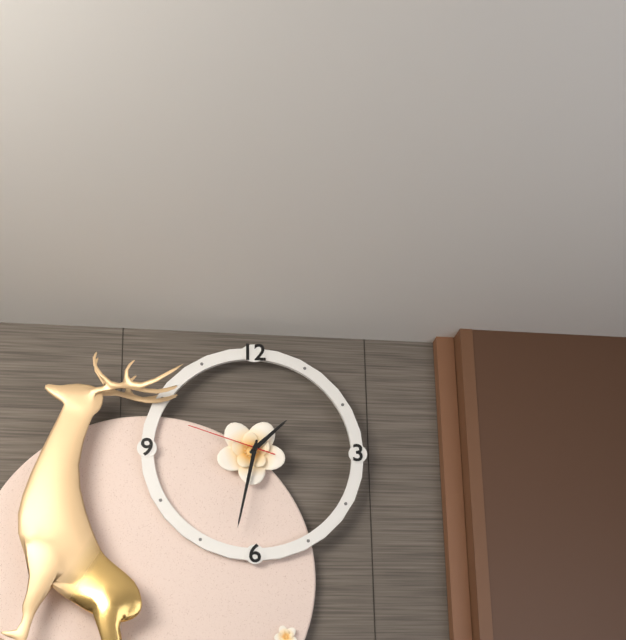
1:32:48
